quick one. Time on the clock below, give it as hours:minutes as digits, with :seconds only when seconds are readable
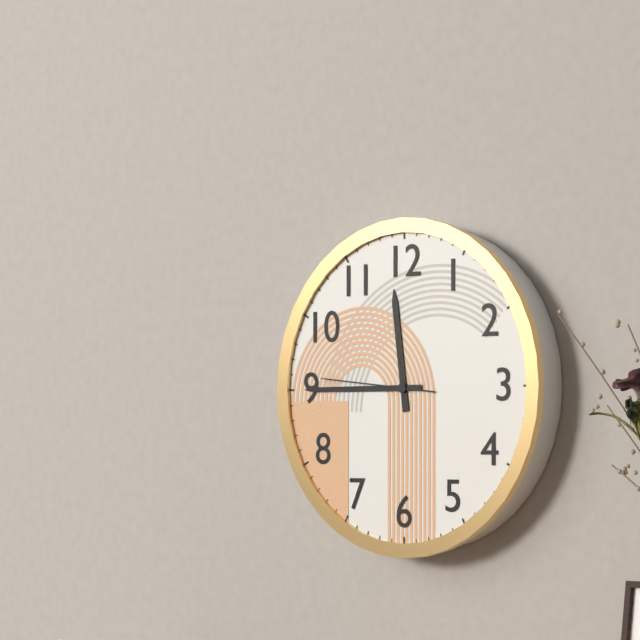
11:45:46
